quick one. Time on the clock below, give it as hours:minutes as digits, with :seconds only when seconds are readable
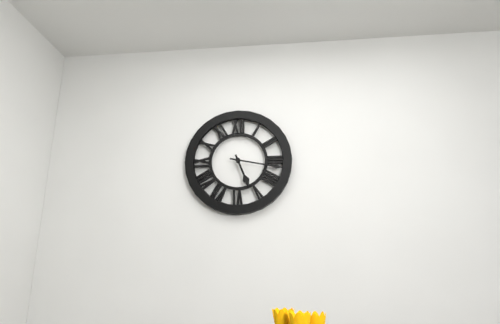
5:17
